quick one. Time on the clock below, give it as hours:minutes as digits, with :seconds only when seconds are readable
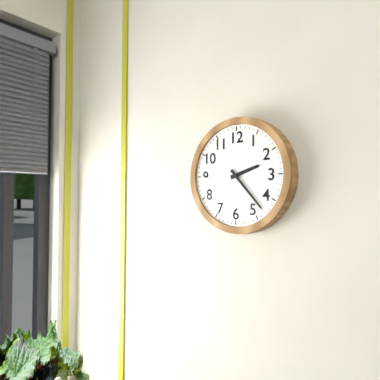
2:23
